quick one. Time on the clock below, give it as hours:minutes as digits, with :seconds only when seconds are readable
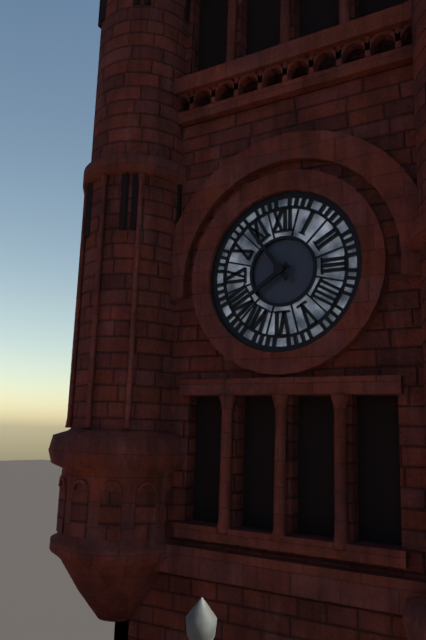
7:54
